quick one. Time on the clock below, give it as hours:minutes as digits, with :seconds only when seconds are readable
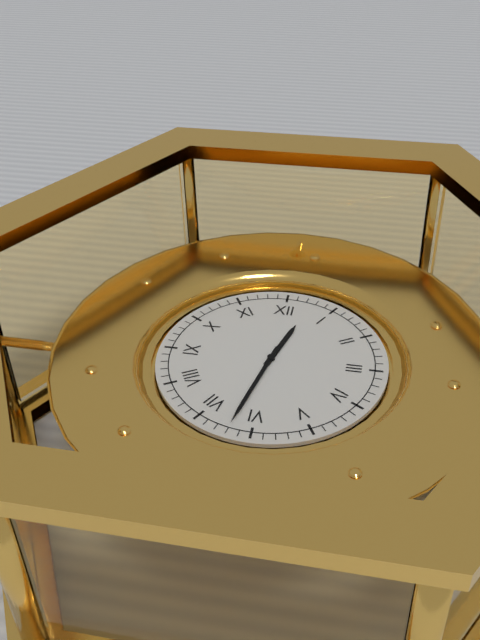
12:32
